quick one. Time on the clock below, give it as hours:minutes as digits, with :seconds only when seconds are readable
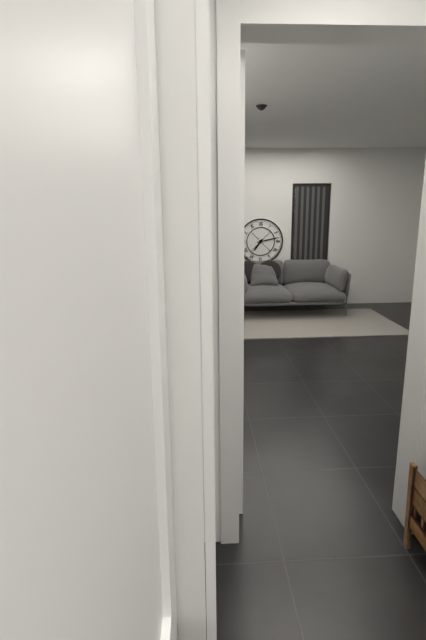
7:13
